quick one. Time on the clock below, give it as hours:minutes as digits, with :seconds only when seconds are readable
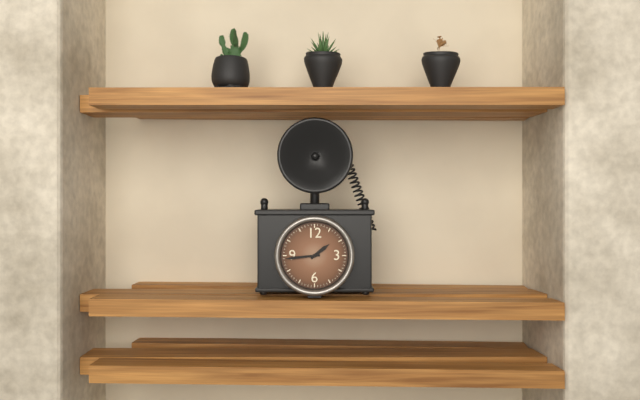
1:44
